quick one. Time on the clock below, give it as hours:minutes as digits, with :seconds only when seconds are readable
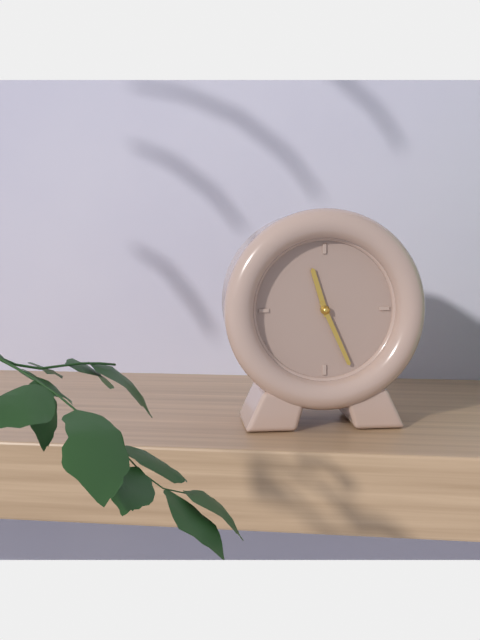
11:26
